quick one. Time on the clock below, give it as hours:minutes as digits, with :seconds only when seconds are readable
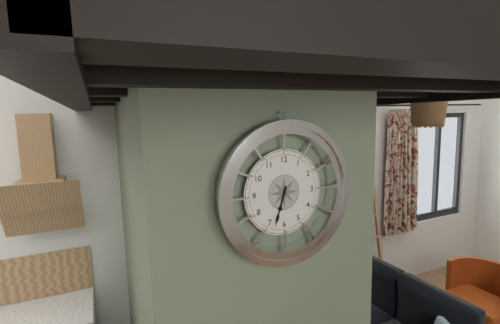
6:33
